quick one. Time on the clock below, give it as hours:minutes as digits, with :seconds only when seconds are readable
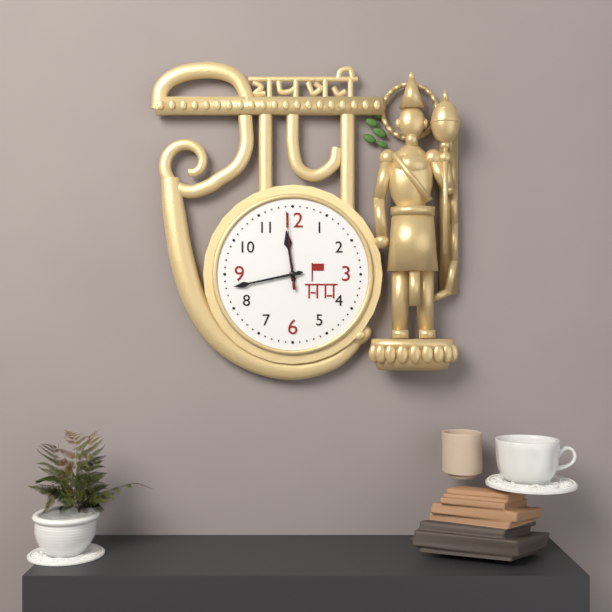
11:43:59
